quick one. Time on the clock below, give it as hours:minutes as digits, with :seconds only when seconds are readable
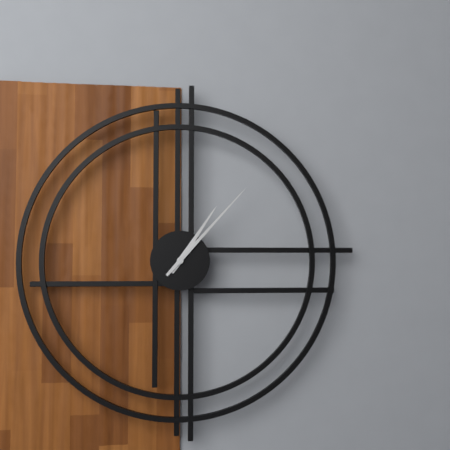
1:07
